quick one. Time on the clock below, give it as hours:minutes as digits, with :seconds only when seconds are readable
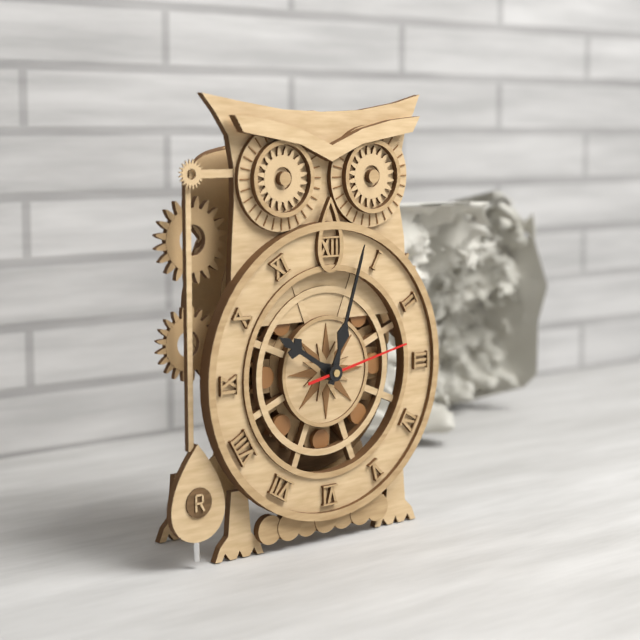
10:03:13
